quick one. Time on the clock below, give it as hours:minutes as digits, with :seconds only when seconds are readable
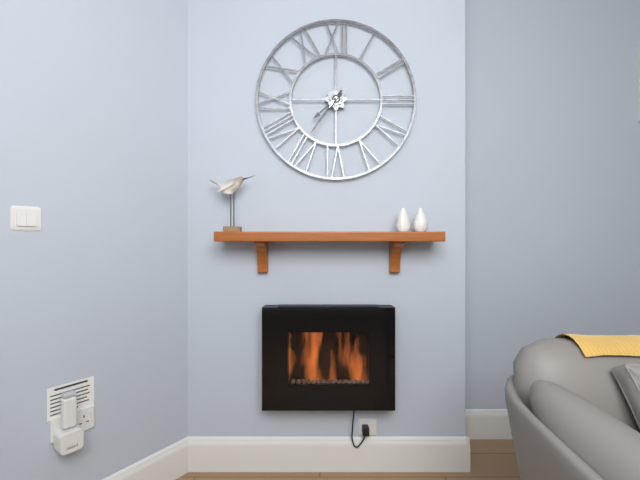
7:36
